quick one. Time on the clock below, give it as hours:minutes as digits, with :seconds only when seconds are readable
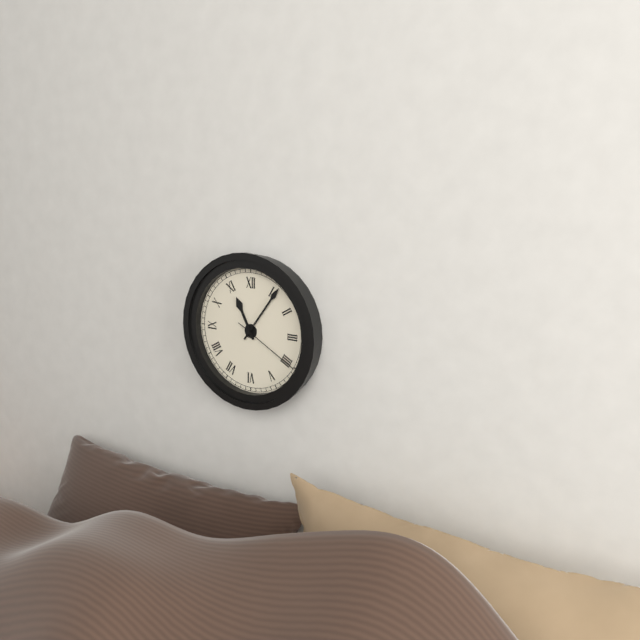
11:06:20
